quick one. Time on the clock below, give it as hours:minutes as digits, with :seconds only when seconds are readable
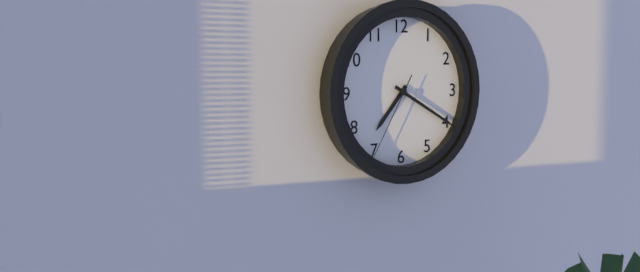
7:20:35
